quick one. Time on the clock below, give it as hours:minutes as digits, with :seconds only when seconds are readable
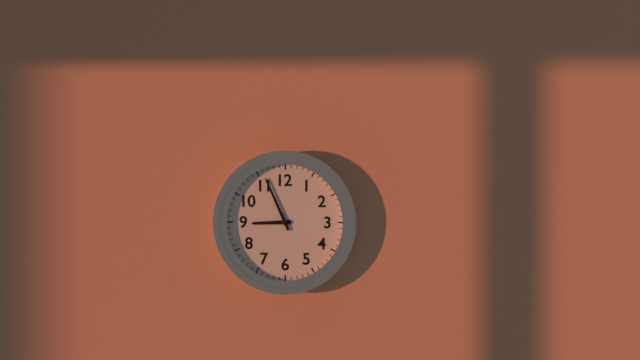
8:56
